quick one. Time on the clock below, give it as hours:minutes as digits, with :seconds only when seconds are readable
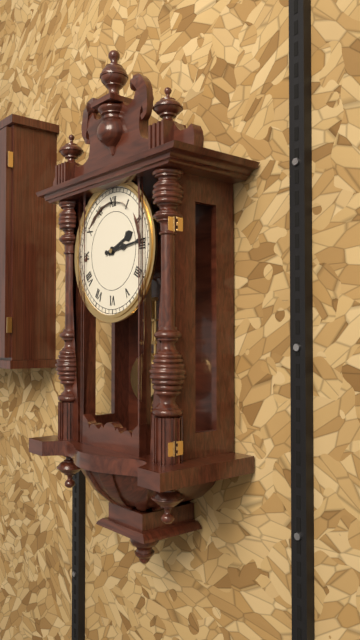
2:14
